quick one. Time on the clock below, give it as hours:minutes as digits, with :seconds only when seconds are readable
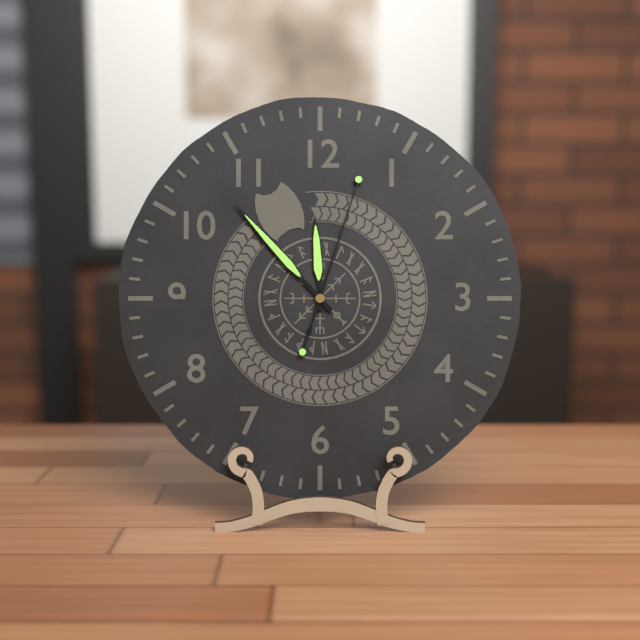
11:53:03
